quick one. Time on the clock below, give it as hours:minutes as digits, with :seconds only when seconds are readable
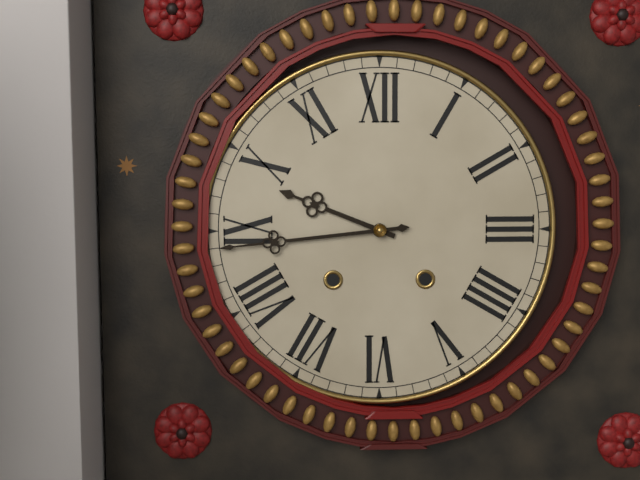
9:44
